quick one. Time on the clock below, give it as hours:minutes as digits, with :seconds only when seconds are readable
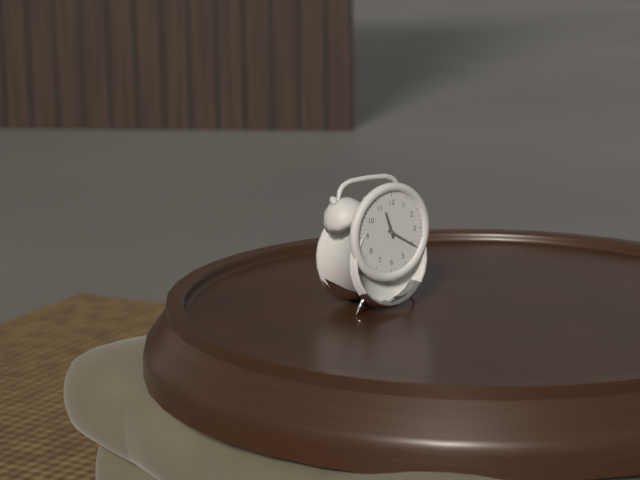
11:20
